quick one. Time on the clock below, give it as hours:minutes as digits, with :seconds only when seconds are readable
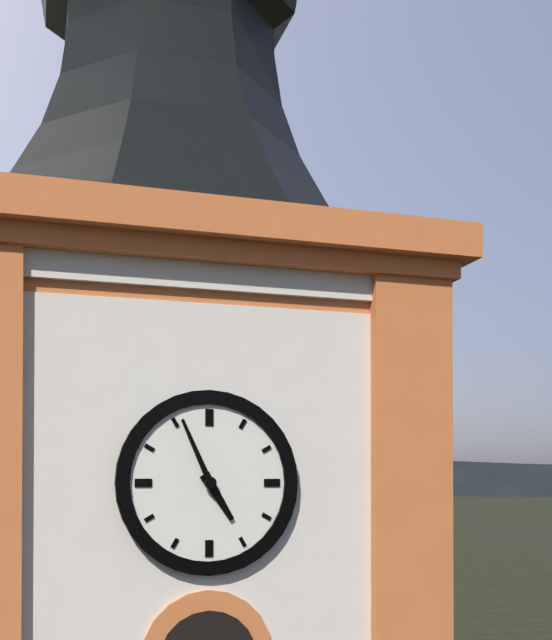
4:56
